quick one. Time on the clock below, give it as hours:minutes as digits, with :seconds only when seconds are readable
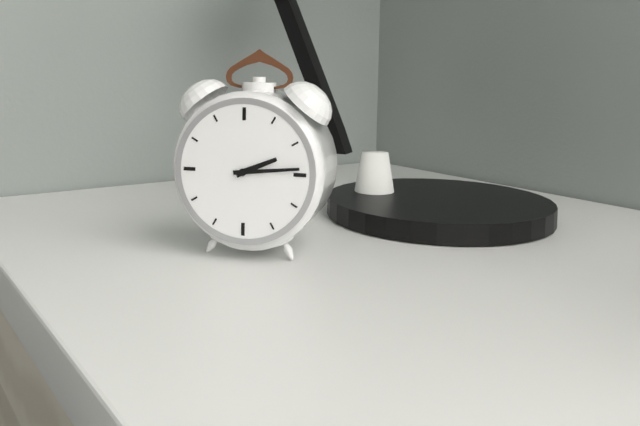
2:14
